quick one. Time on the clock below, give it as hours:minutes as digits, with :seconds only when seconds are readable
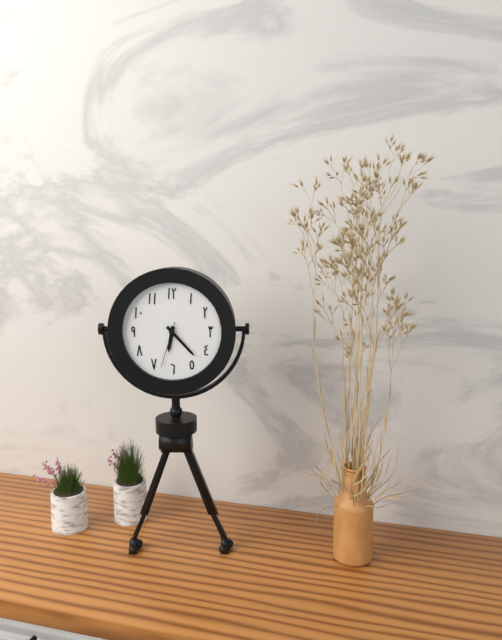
6:23
